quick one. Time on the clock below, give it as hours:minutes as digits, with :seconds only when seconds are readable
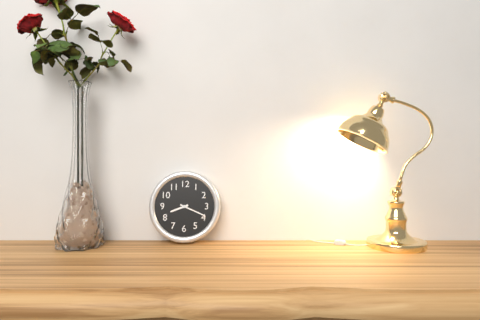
8:19
